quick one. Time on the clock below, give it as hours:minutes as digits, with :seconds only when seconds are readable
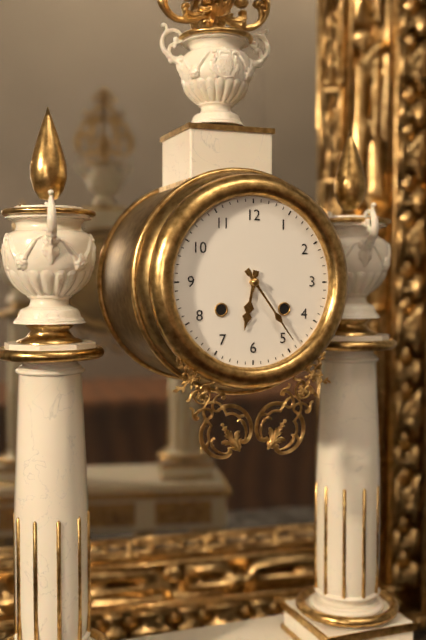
6:24
